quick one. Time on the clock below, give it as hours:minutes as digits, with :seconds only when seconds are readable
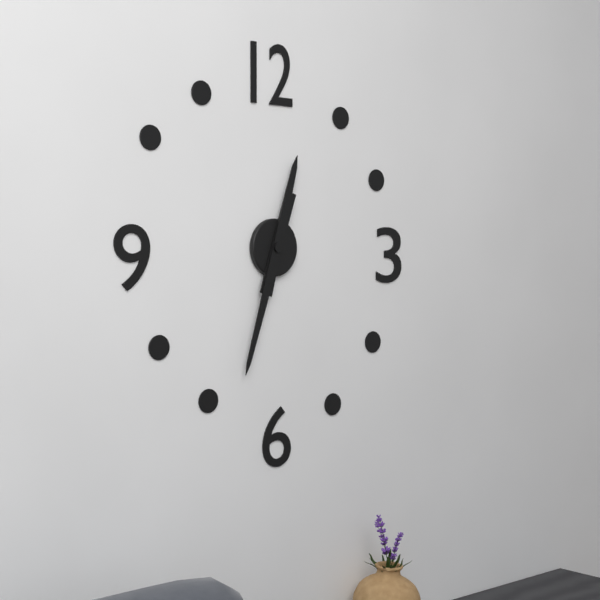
12:33
